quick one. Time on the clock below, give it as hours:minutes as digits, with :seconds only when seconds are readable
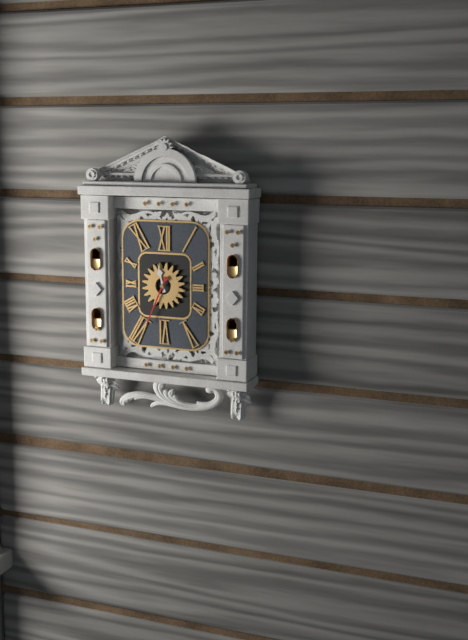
11:34
